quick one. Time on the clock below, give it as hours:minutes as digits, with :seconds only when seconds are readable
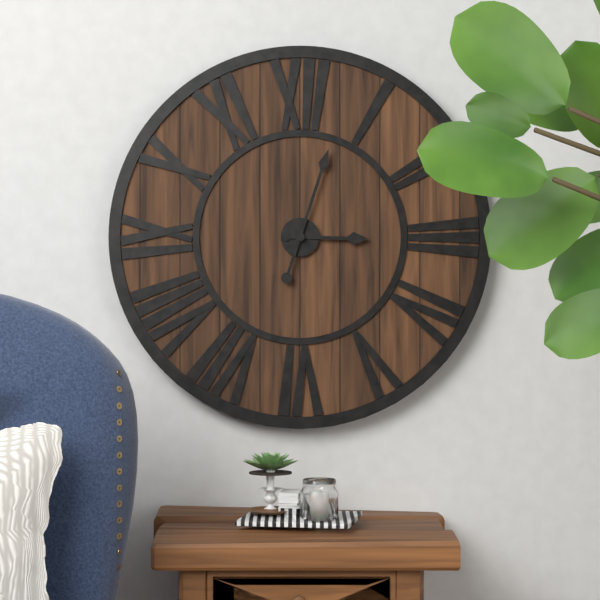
3:03
